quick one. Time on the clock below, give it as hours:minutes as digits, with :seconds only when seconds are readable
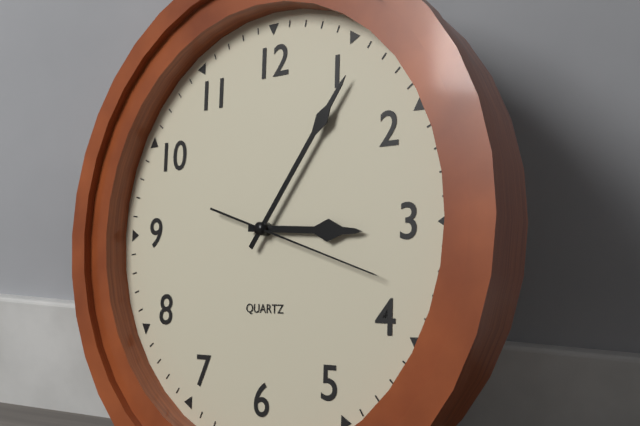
3:06:18
